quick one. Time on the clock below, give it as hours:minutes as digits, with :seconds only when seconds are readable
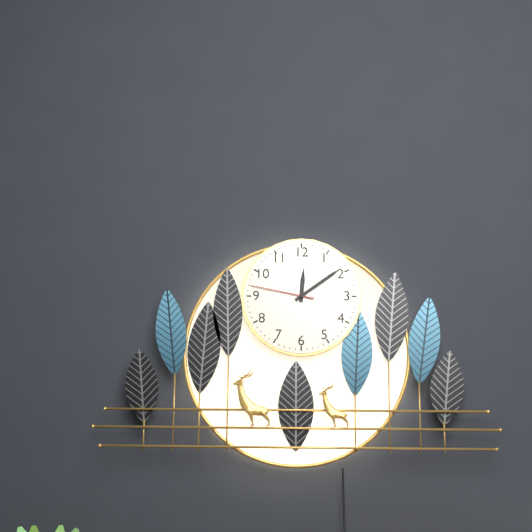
12:09:47
